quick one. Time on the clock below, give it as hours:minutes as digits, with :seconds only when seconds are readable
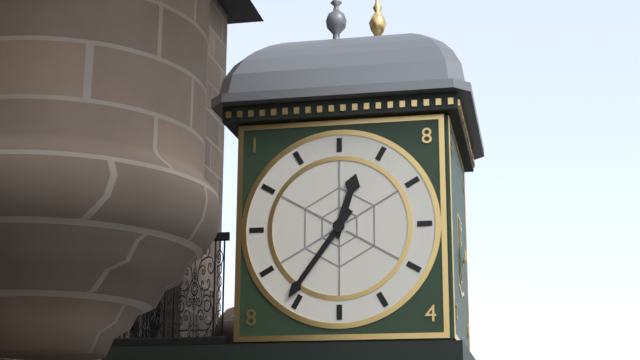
12:36
